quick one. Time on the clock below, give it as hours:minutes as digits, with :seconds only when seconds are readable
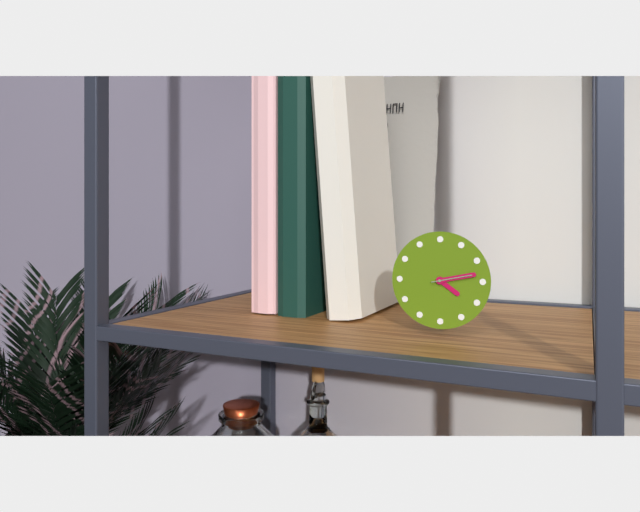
4:13
